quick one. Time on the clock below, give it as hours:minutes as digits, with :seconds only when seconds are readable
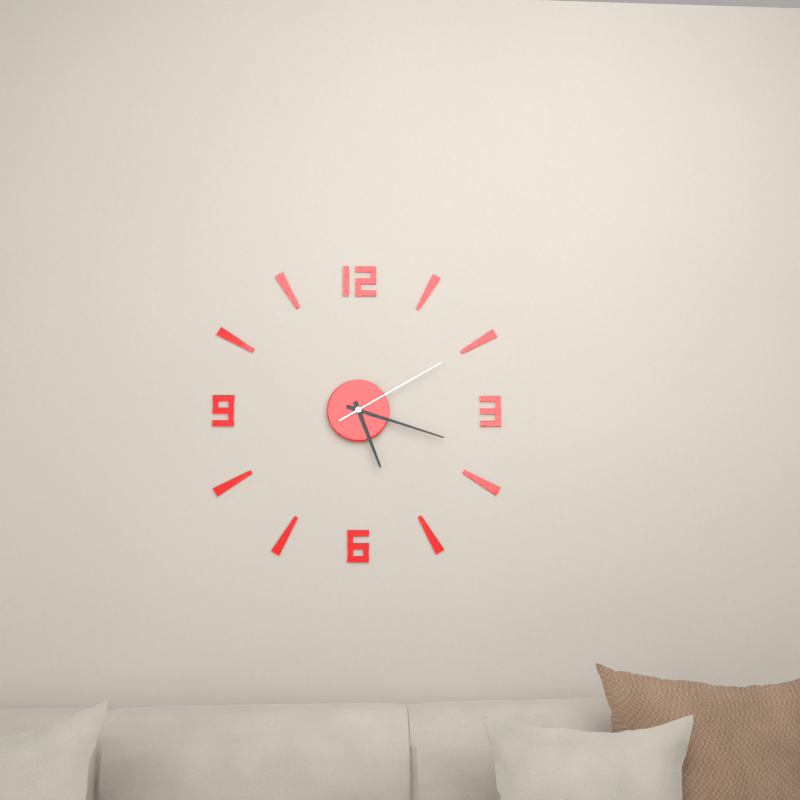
5:18:10
